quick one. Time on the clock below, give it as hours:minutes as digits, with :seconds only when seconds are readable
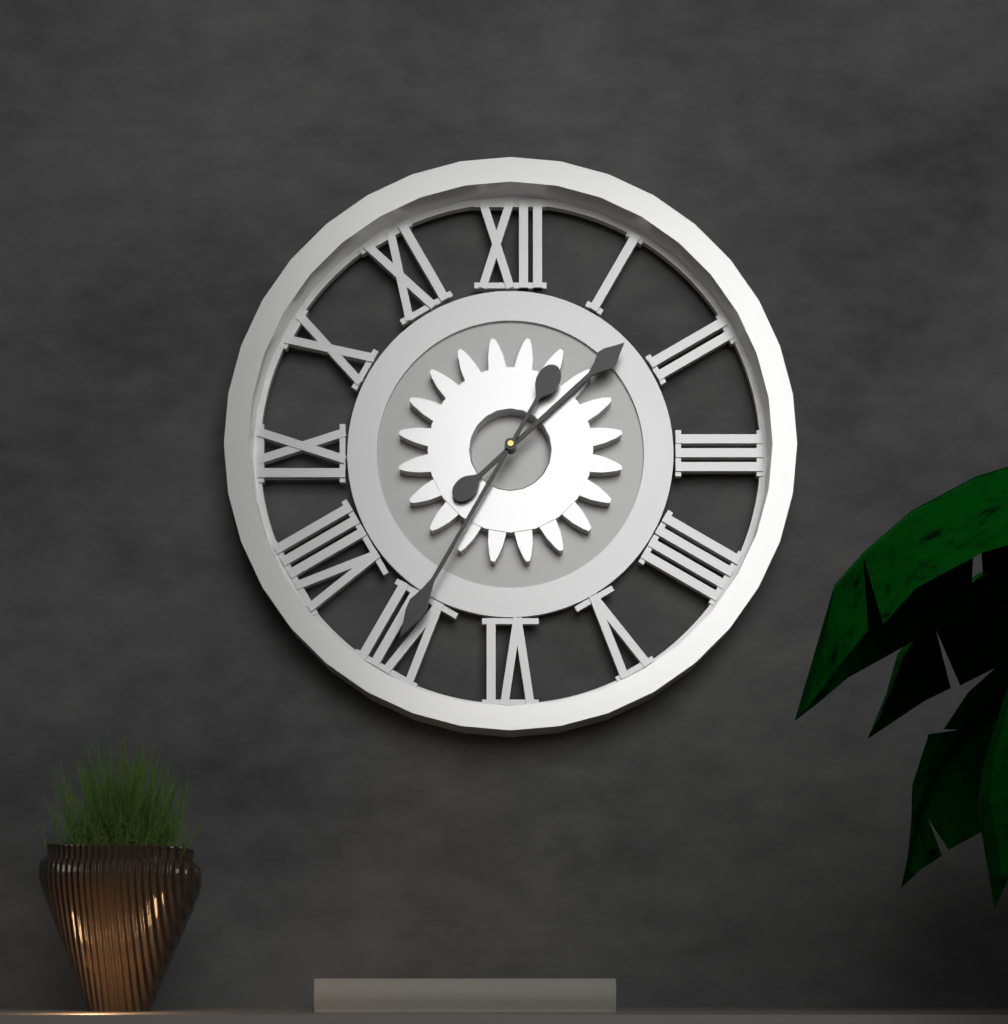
1:35
